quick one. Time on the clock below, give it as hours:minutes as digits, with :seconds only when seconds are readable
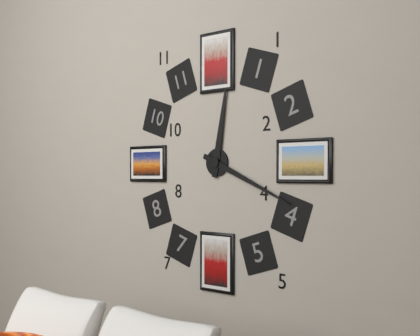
12:19
